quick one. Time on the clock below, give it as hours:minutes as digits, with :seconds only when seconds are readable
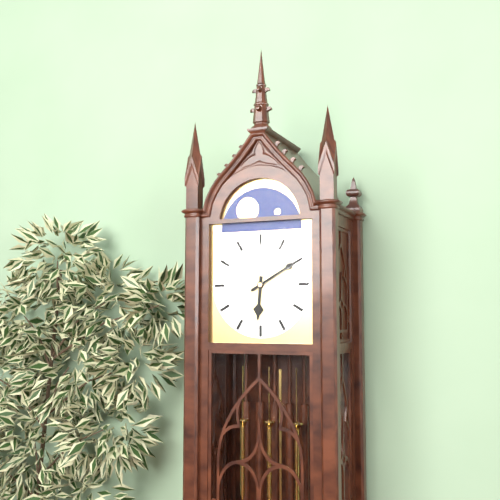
6:10
